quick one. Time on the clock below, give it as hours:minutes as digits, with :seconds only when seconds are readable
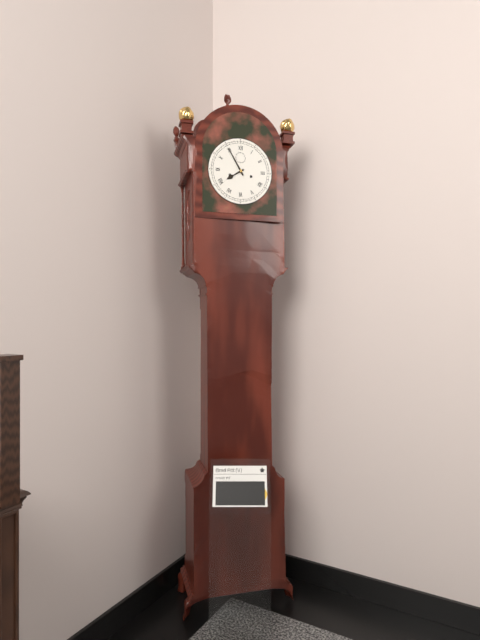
7:55
